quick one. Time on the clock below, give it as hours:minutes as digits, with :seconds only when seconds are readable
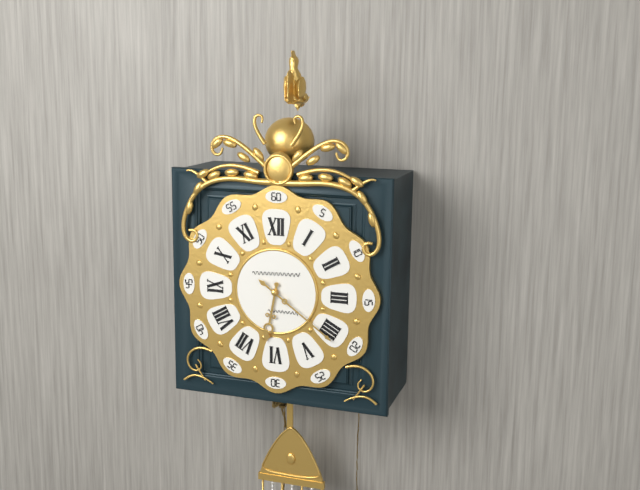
6:21
